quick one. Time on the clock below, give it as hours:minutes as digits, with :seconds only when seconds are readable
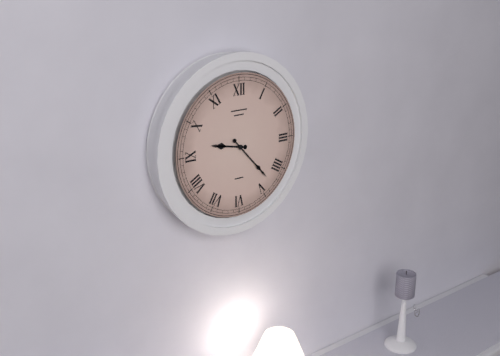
9:23
